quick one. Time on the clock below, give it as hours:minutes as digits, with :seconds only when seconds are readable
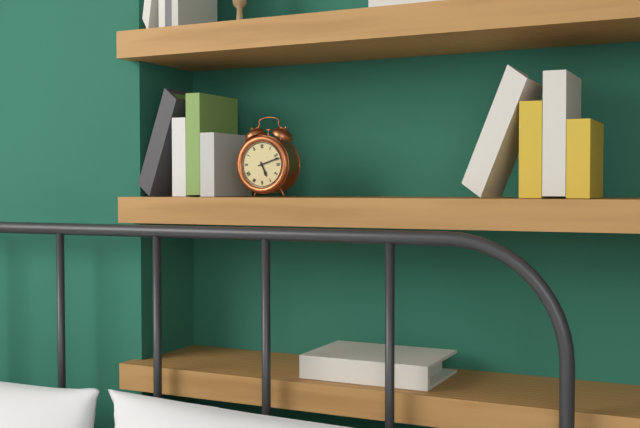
5:12
